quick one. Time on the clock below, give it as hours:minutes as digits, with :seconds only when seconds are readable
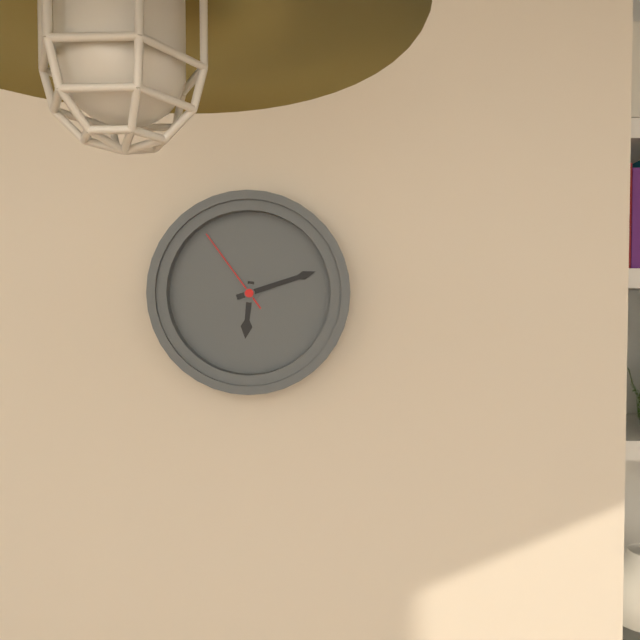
6:12:54
